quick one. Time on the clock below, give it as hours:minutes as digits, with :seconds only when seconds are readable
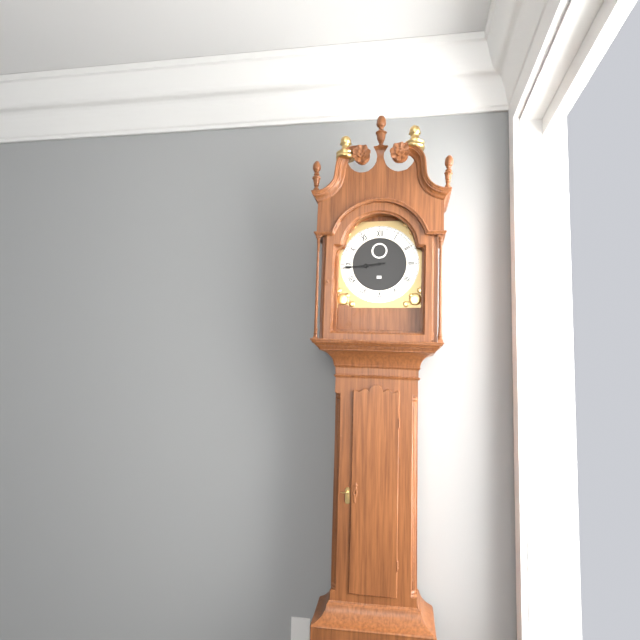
8:44
